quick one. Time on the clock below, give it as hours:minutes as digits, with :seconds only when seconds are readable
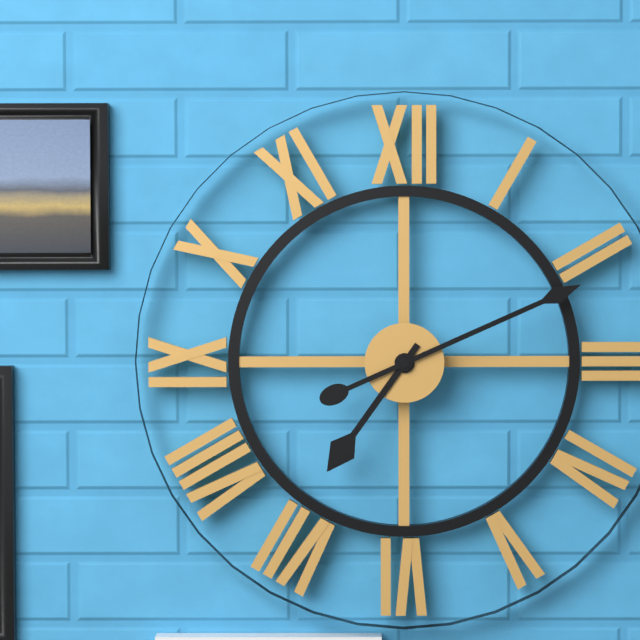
7:11
